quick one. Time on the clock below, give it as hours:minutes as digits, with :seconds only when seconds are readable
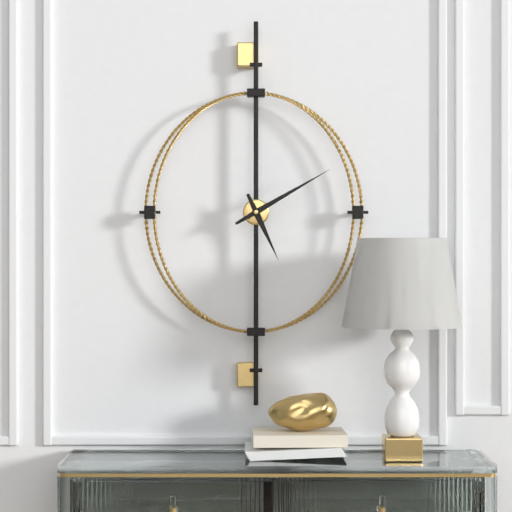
5:10
